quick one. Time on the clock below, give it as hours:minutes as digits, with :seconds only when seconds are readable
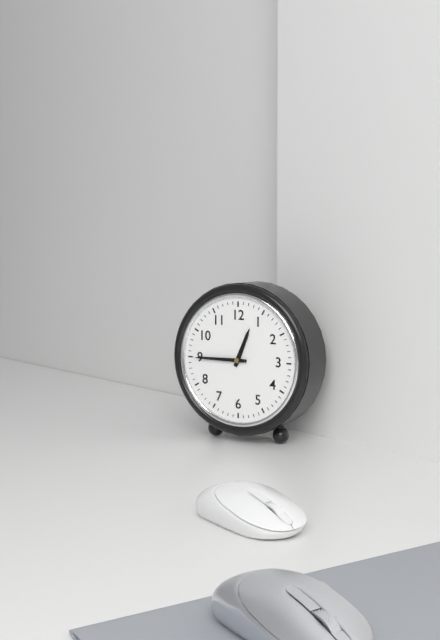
12:45
